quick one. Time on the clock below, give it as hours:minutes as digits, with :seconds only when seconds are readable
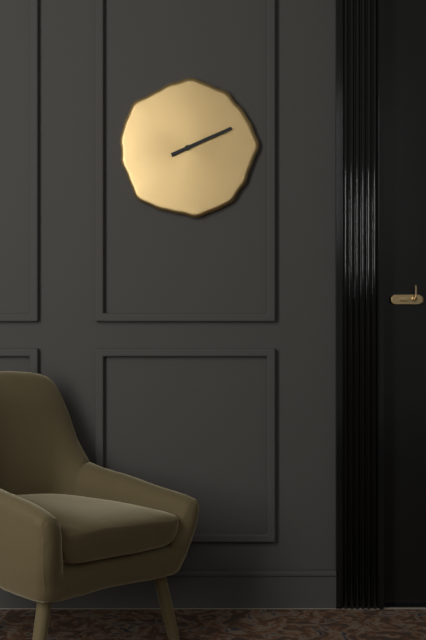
2:11
